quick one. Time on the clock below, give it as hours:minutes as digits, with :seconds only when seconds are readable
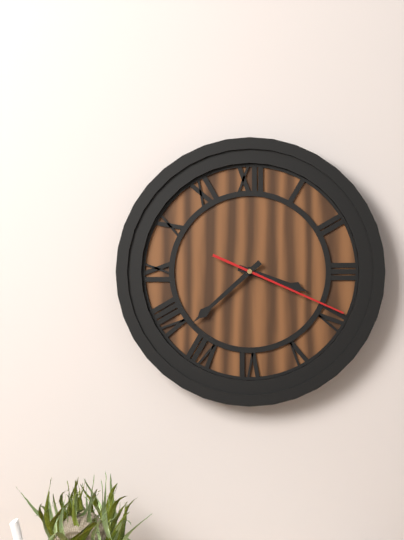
3:38:19
